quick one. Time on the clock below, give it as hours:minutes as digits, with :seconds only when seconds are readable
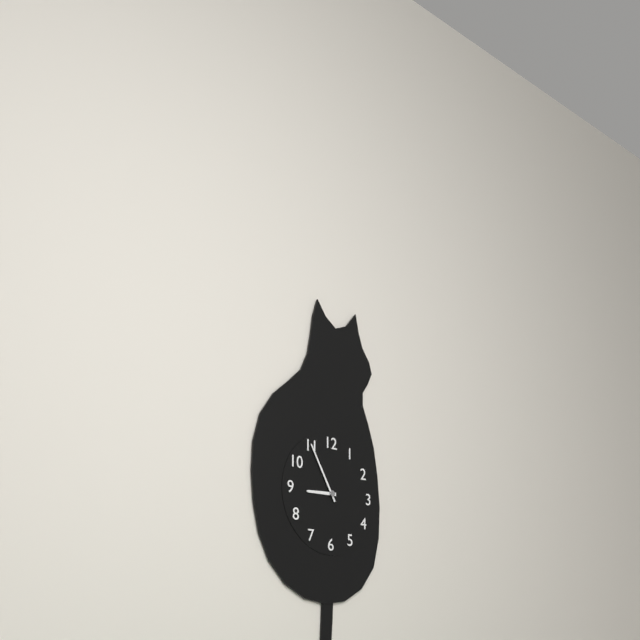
8:55
